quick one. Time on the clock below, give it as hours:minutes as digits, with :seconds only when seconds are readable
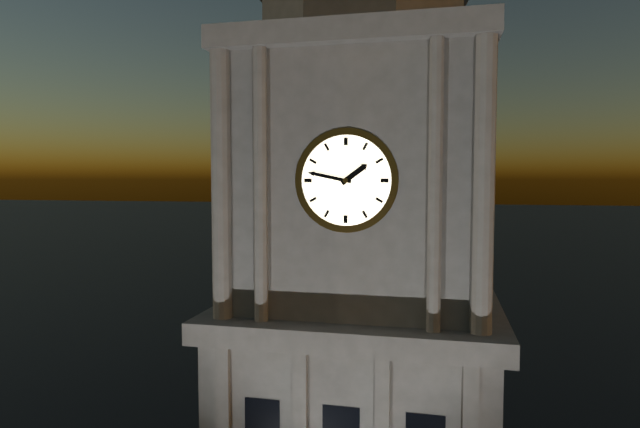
1:47
